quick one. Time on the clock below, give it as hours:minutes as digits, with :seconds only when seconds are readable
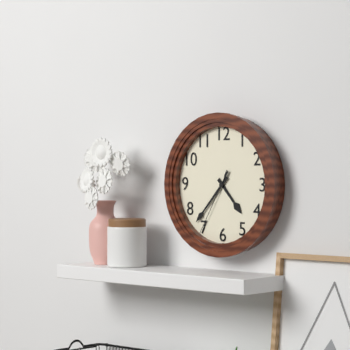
4:37:35
